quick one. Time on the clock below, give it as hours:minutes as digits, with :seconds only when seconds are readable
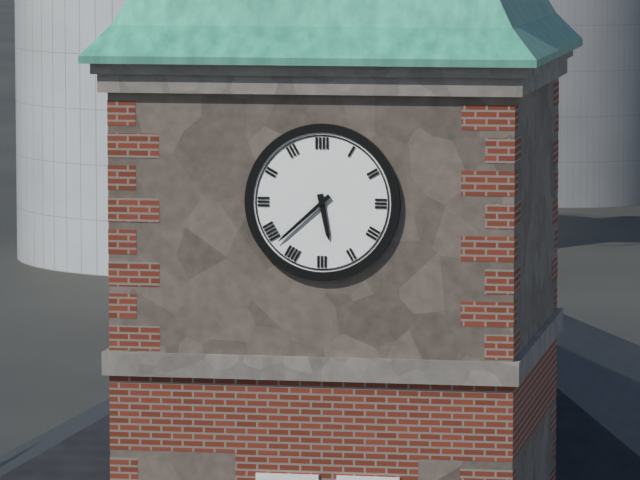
5:38
